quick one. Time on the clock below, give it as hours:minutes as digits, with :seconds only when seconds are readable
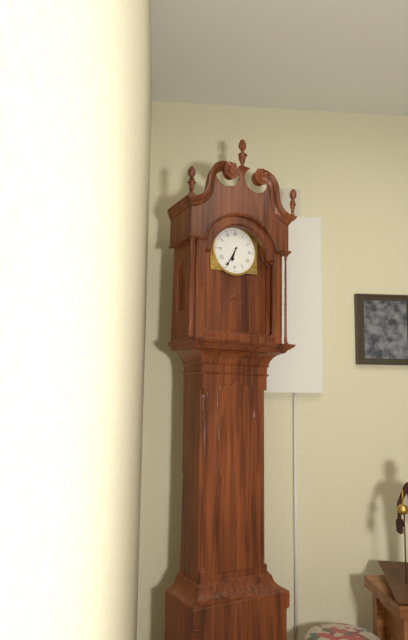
6:35
